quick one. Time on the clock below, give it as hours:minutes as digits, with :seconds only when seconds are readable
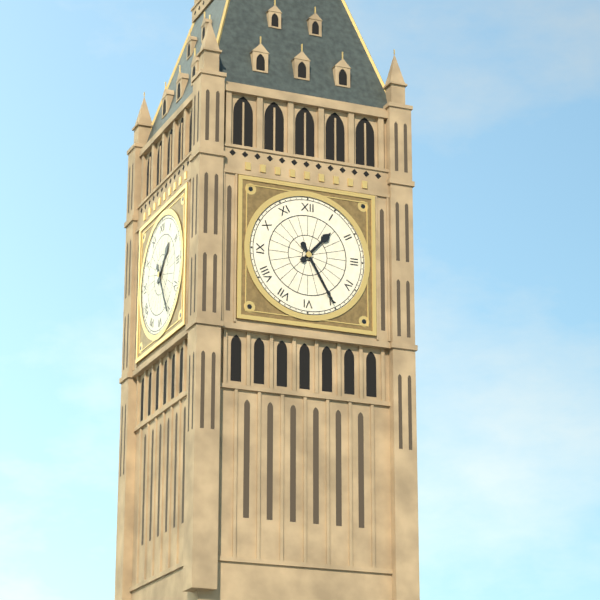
1:25
